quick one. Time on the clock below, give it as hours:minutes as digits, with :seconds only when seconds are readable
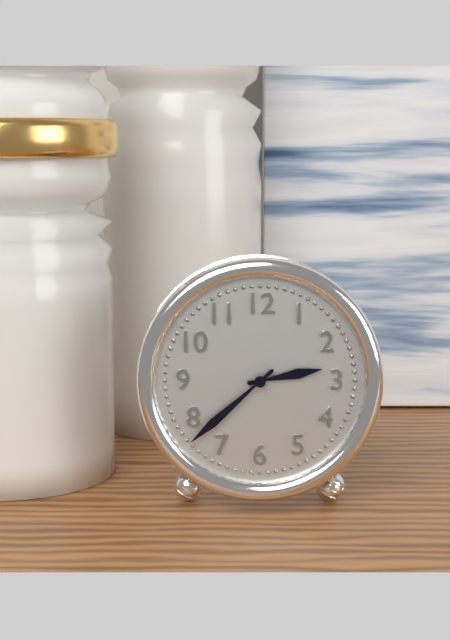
2:38
